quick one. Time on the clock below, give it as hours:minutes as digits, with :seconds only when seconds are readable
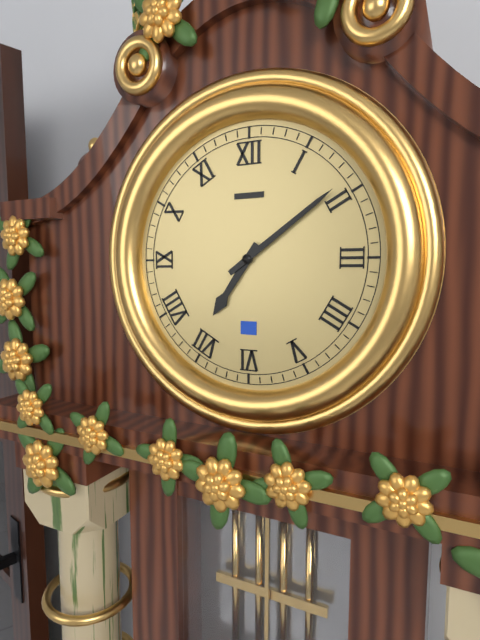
7:09
